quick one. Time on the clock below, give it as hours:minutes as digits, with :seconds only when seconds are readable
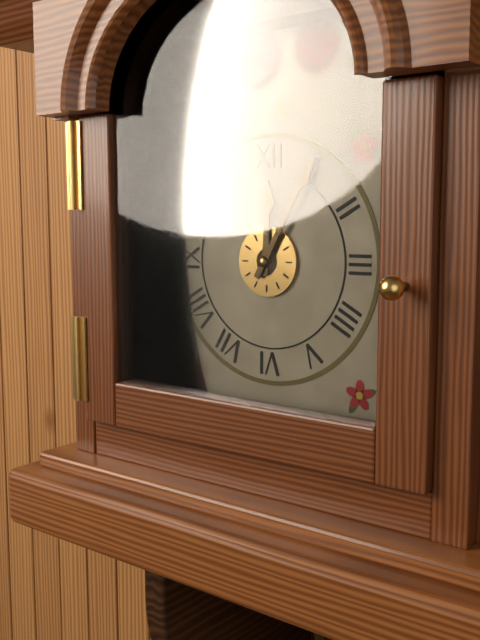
12:05
